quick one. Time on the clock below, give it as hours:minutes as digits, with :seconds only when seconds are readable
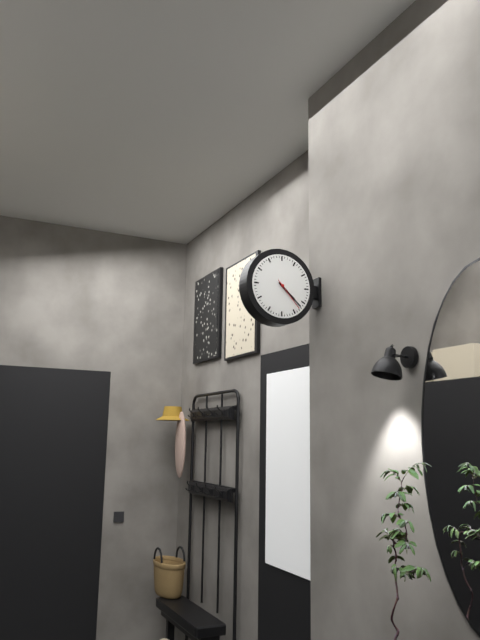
4:22
